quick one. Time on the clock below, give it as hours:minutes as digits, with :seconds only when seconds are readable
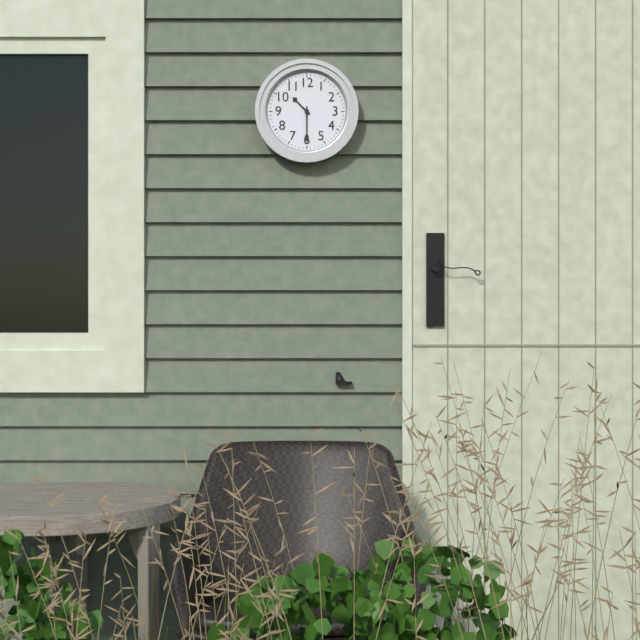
10:30
